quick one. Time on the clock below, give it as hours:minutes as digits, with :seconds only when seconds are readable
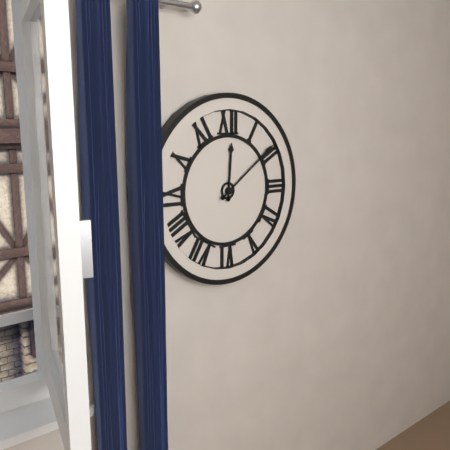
12:09
